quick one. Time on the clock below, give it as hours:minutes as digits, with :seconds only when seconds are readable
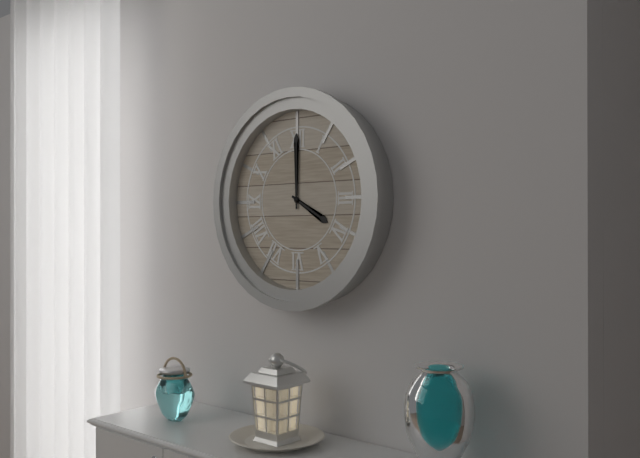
4:00
